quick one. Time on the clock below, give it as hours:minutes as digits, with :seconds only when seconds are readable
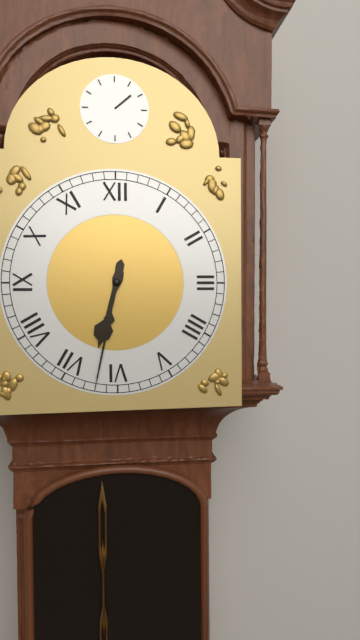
6:32
